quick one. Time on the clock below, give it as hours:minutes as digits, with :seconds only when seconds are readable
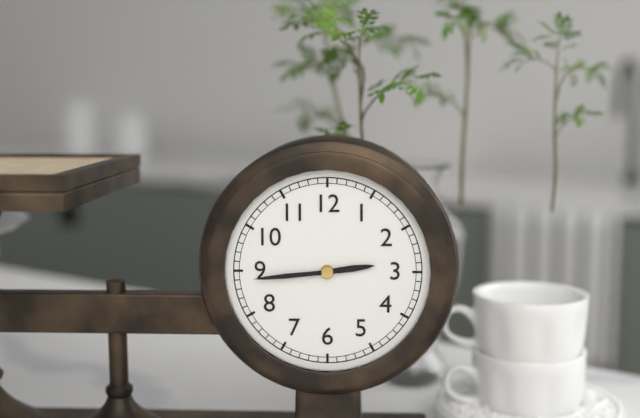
2:44
